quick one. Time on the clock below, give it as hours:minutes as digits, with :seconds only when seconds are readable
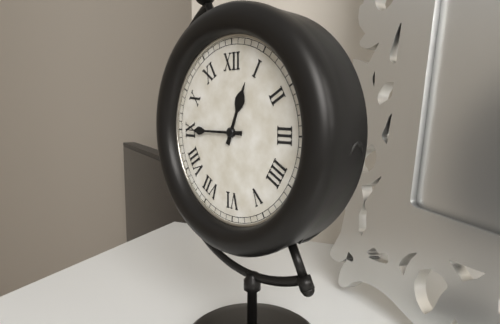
12:45
